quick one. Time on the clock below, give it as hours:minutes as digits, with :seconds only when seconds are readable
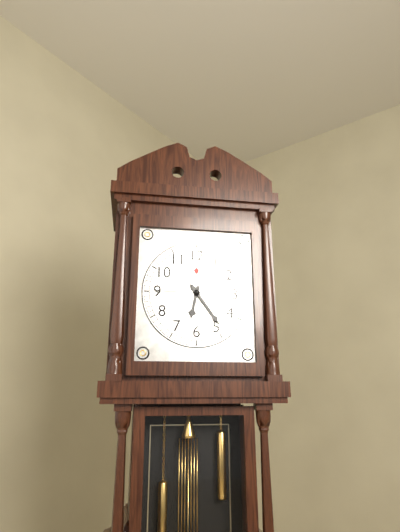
6:24:45
